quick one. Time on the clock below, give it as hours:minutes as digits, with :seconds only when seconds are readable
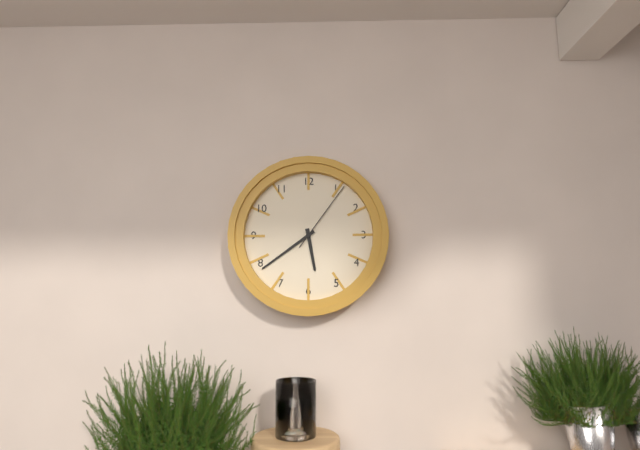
5:39:06
